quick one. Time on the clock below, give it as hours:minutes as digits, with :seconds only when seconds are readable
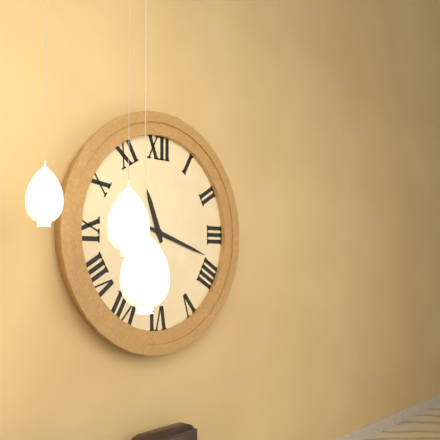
11:18
